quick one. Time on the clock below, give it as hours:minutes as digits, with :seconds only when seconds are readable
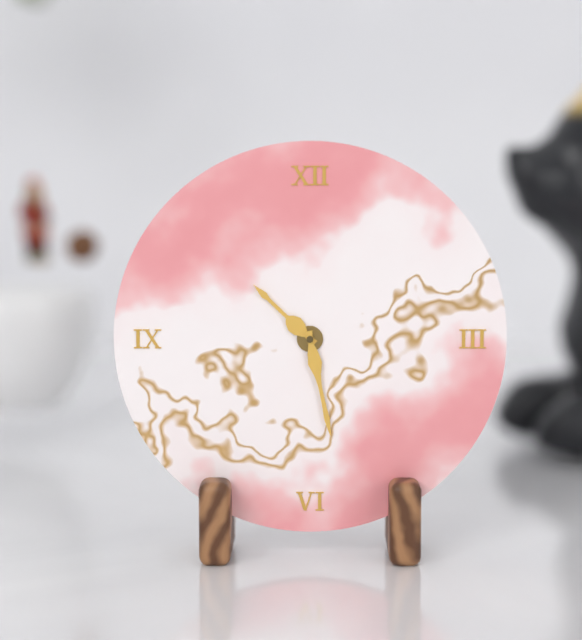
10:28
